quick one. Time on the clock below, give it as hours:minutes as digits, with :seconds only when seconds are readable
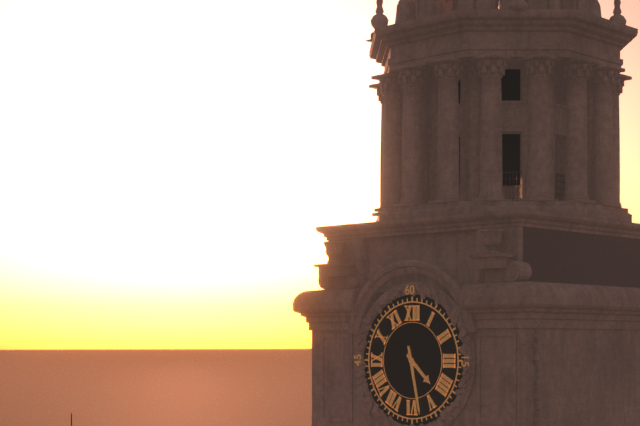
4:28
